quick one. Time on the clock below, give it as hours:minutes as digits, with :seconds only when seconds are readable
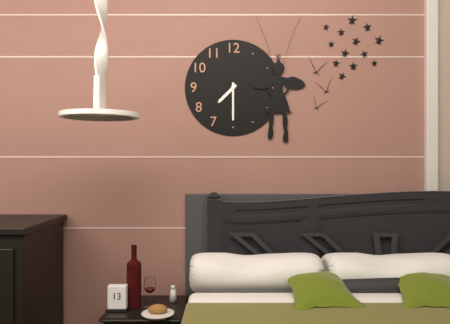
7:30
